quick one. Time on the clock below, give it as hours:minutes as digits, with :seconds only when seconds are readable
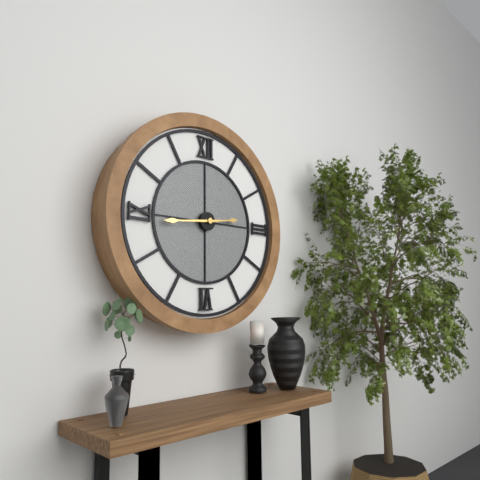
2:44
